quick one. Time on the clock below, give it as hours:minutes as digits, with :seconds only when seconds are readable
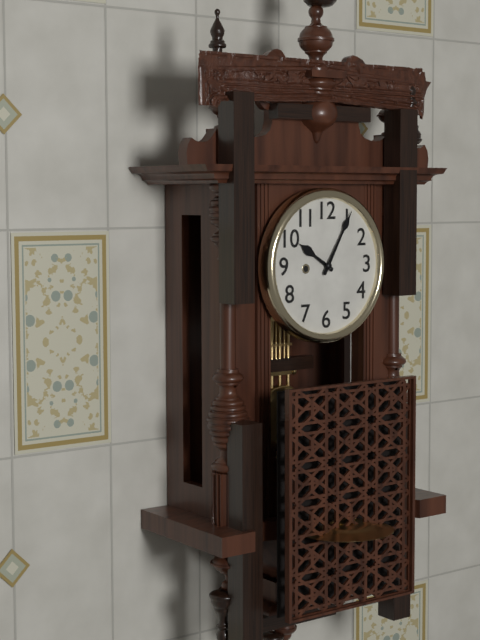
10:05
